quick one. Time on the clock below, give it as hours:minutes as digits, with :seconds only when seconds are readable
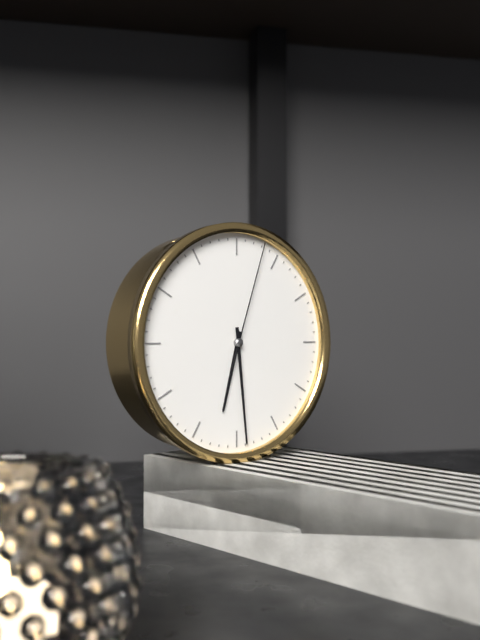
6:29:03
